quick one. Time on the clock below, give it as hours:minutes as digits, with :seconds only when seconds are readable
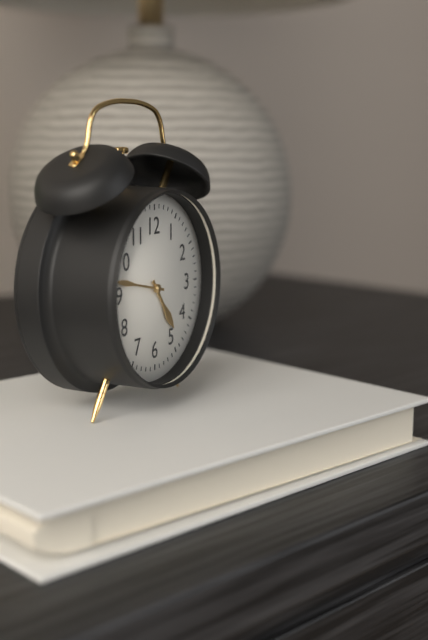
4:47
